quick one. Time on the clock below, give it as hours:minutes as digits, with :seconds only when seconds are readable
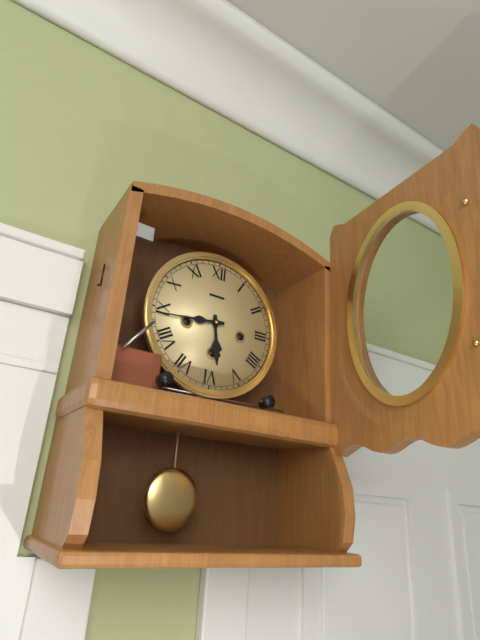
5:44
